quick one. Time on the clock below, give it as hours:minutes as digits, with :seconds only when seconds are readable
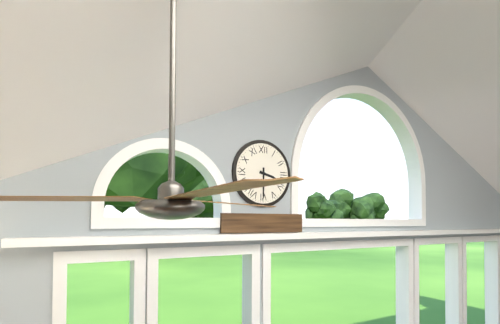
3:30
